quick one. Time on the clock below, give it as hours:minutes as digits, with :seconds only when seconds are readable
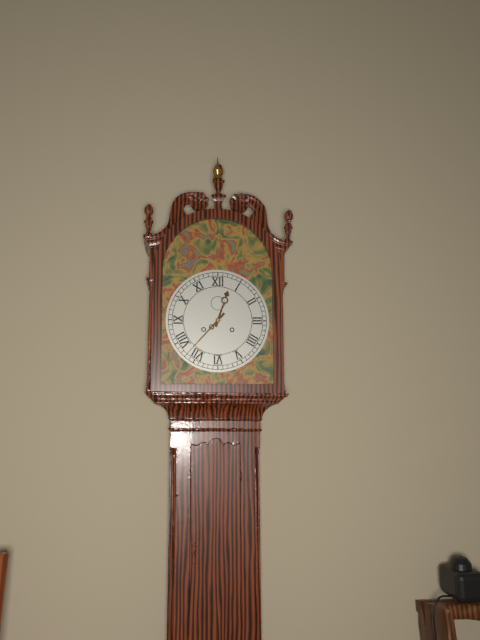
12:37
